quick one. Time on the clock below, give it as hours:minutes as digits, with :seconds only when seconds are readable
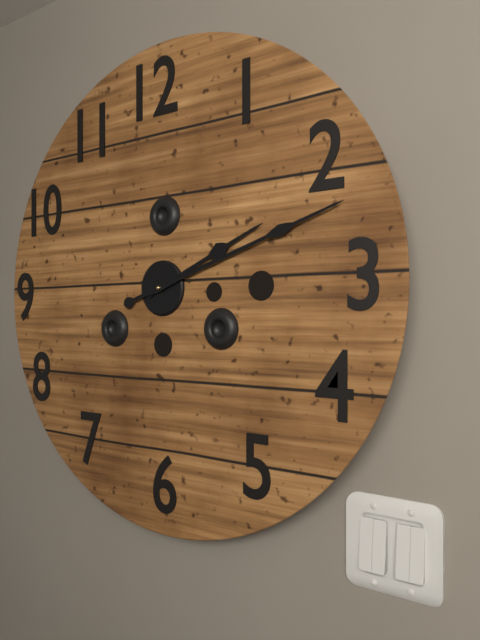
2:12
